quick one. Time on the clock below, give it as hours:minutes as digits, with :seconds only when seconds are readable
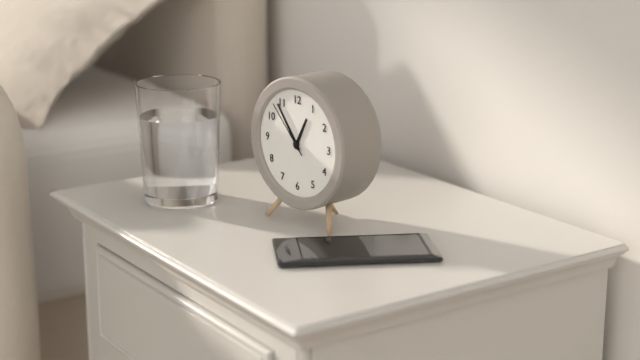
12:54:53
